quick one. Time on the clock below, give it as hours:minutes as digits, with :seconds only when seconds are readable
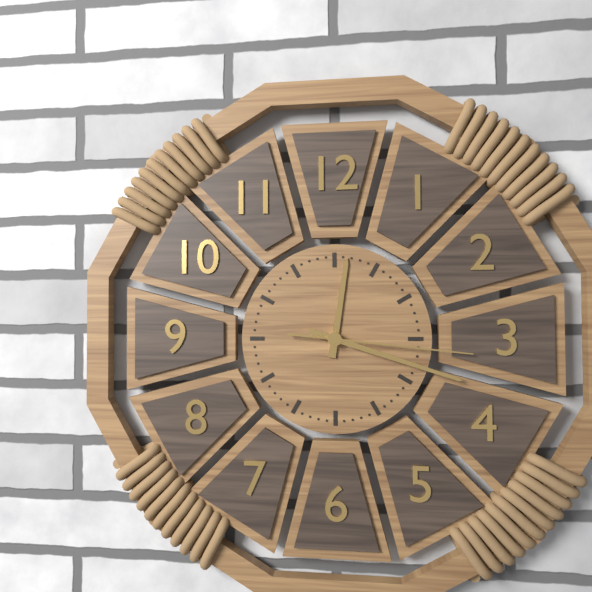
12:18:16
